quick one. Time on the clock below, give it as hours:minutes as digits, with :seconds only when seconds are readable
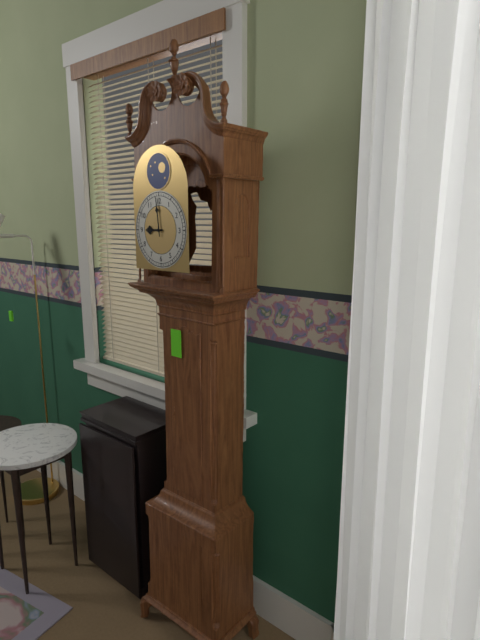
8:59
